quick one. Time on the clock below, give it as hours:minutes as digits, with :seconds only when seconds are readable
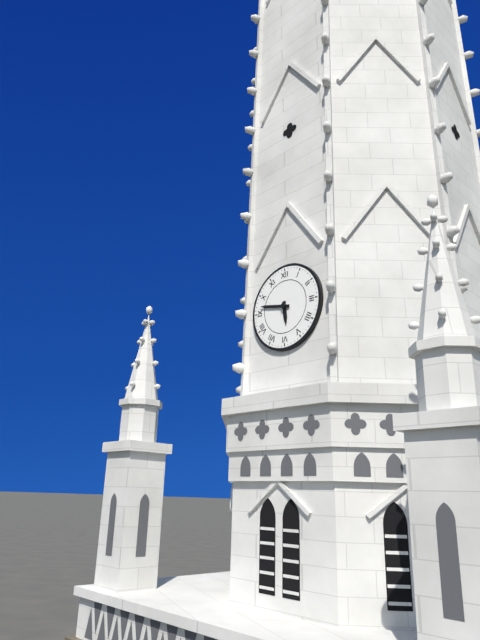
5:47
